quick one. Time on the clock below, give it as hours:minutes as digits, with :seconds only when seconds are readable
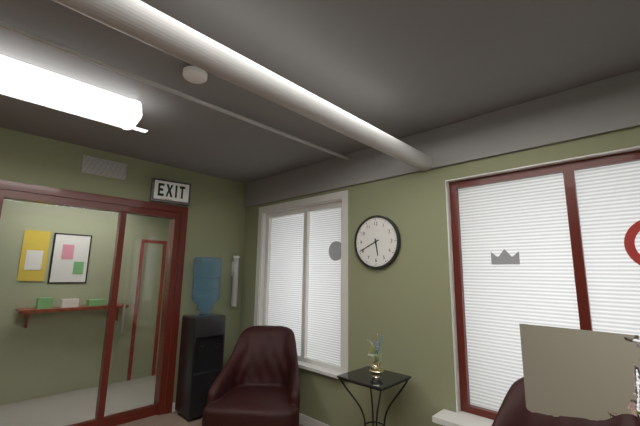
5:41
